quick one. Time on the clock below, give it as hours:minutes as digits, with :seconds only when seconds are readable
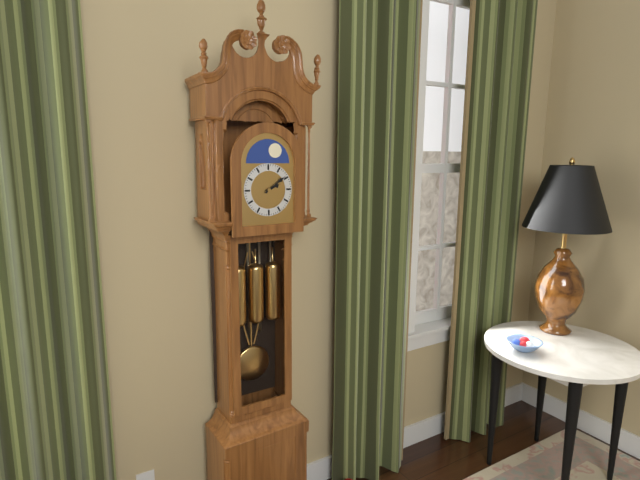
2:09
